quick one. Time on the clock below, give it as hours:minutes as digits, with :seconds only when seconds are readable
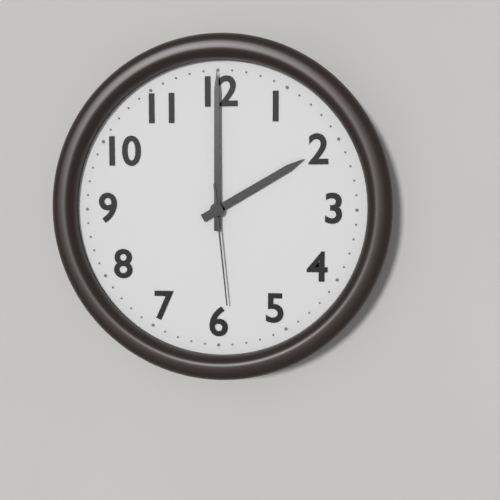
2:00:29
